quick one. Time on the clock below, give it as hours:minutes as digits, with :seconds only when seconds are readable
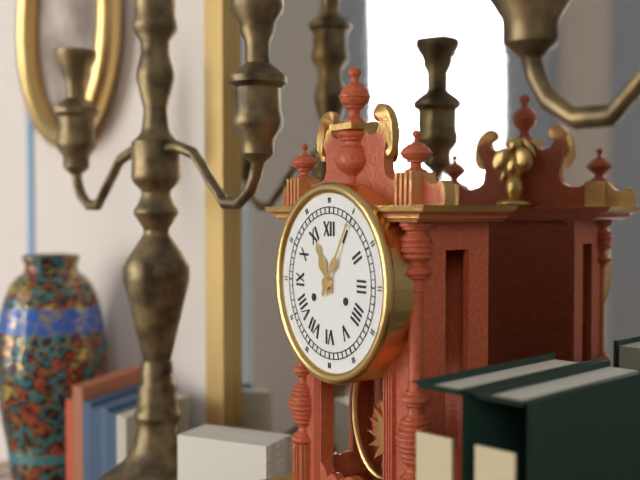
11:05
